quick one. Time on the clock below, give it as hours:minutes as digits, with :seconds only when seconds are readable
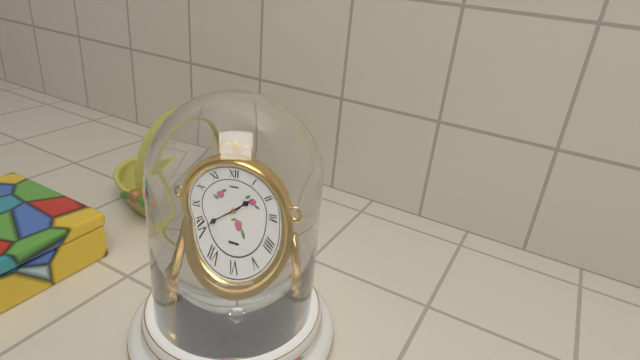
1:39
